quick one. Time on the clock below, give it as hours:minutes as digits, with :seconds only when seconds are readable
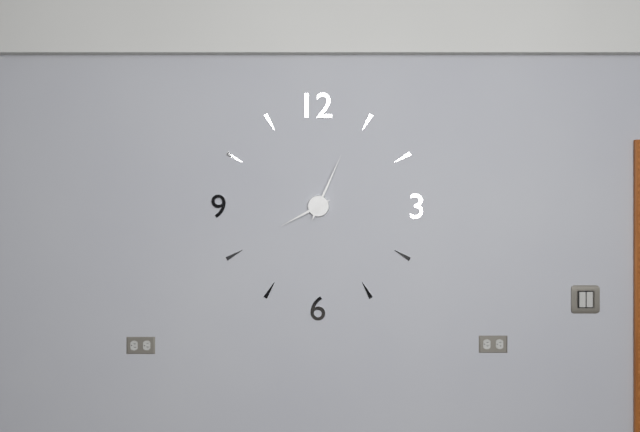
8:04
